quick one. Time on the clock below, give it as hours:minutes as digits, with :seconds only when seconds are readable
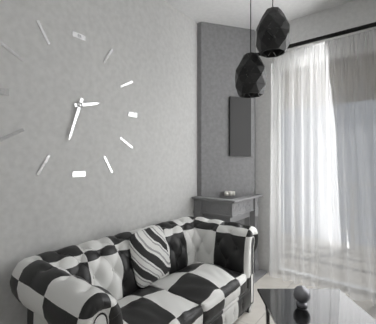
2:33
